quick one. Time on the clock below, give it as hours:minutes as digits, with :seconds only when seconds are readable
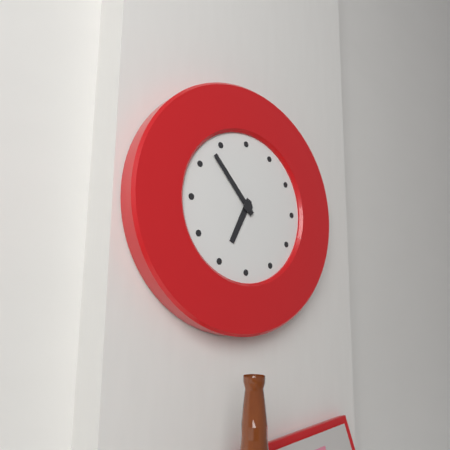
6:53
